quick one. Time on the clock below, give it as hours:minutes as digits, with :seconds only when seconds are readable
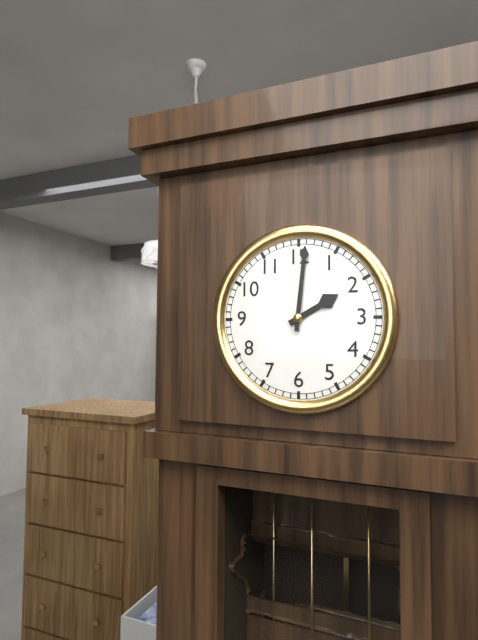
2:01
